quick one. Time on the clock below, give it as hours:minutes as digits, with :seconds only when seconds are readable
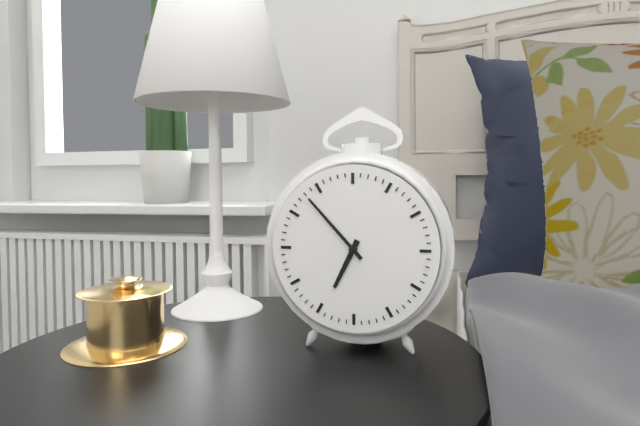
6:53
